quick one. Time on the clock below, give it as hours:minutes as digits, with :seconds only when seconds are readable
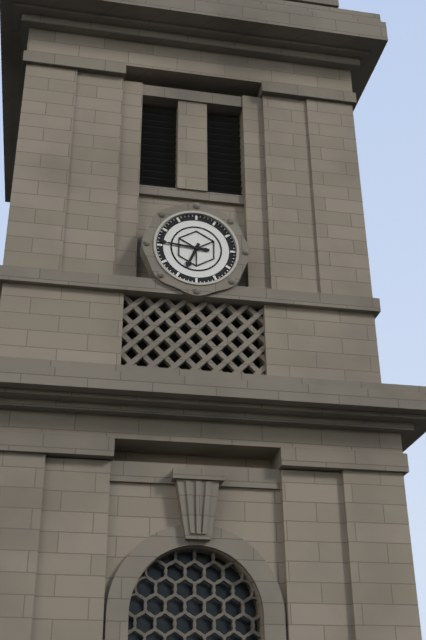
6:46
